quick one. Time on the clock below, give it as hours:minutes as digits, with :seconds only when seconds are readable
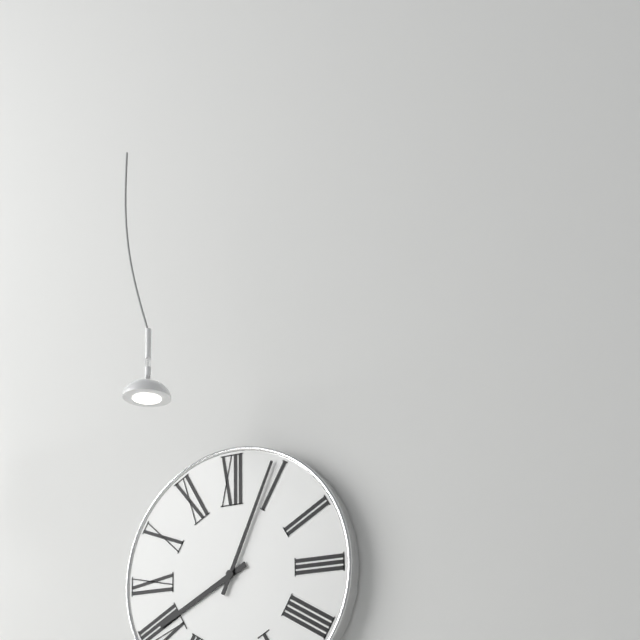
8:04
